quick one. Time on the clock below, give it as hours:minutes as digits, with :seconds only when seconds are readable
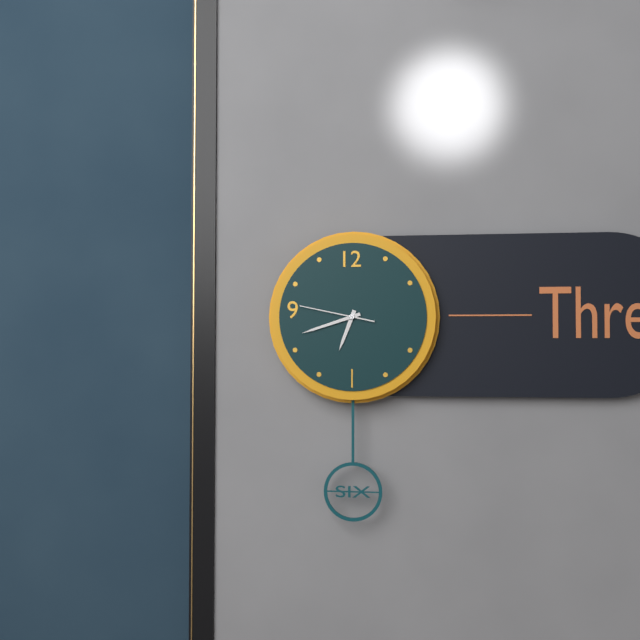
6:42:47
